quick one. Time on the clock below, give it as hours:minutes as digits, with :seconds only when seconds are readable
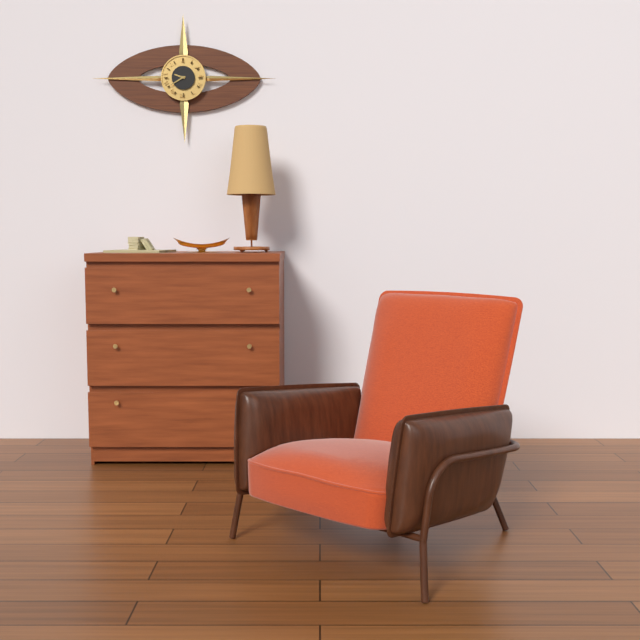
9:40
